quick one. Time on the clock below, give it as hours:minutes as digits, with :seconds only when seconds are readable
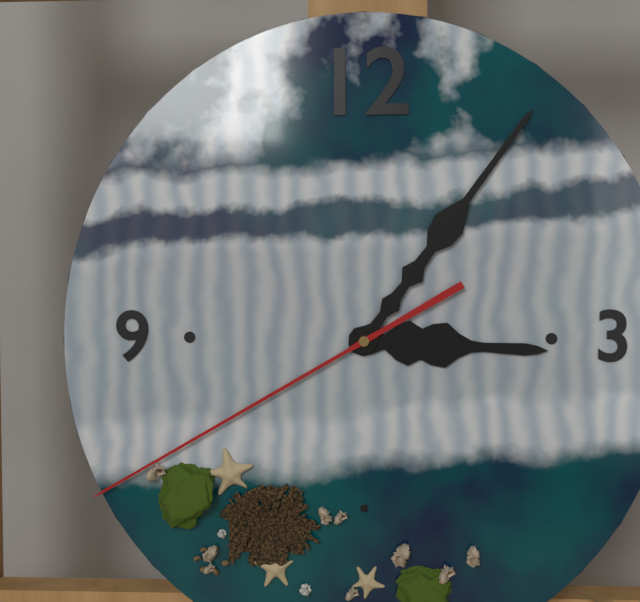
3:06:40
